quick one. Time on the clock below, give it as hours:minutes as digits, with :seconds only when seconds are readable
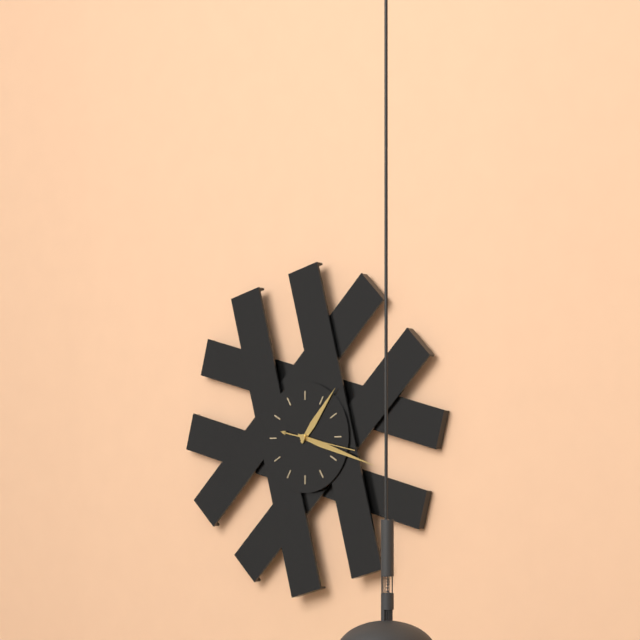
1:18:17
